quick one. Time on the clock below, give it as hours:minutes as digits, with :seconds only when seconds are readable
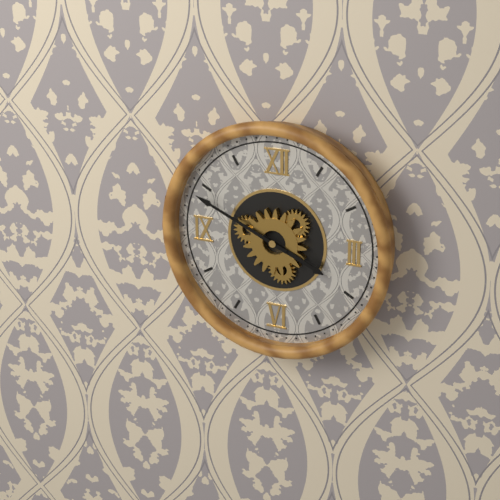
3:49
